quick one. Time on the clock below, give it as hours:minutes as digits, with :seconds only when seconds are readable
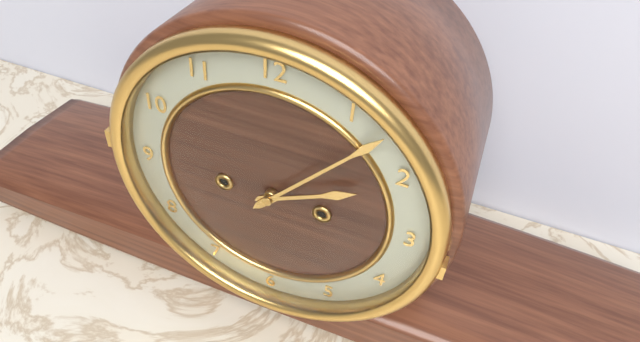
2:07
